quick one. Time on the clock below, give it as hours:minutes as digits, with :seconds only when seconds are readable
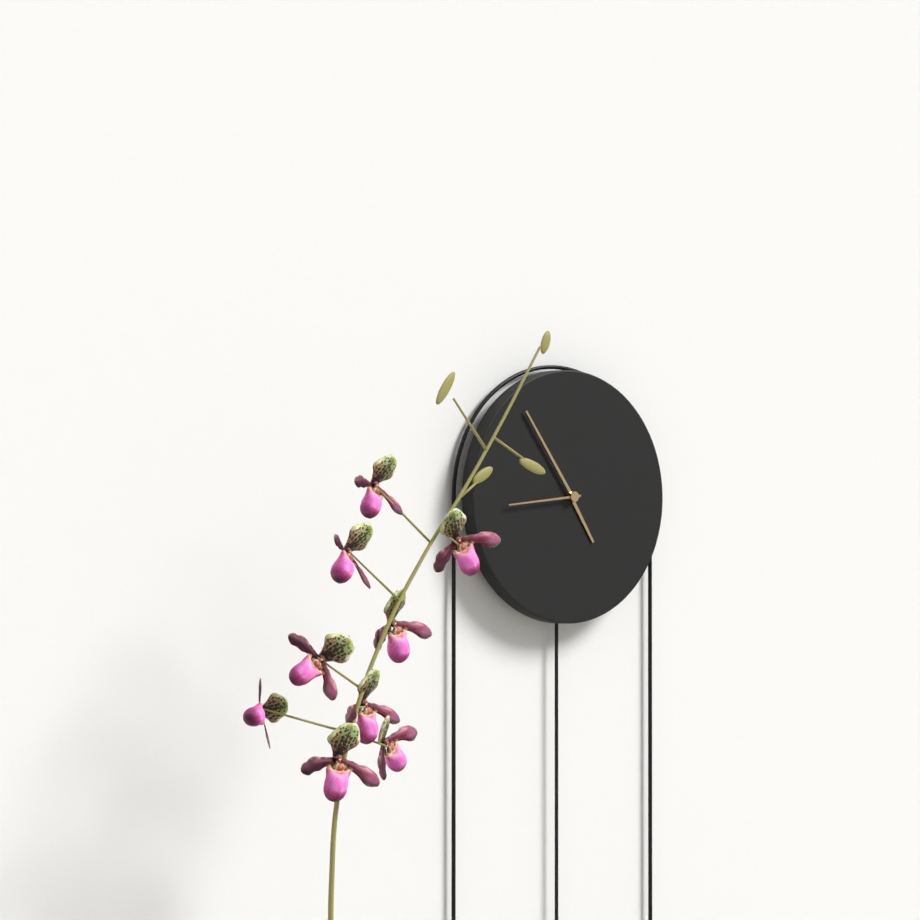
4:54:44
